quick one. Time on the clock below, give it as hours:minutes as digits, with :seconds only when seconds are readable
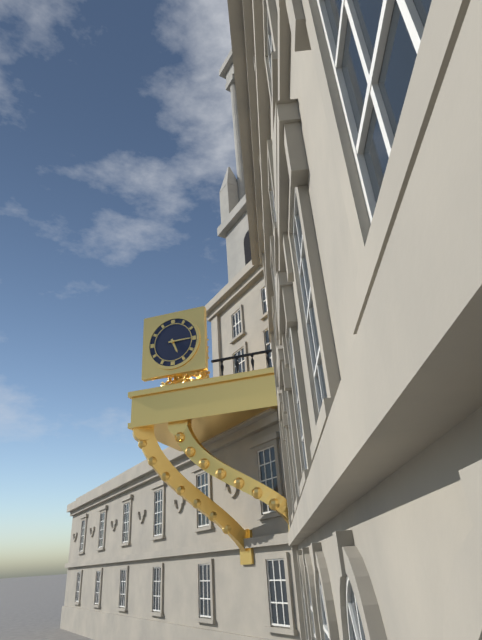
5:15
